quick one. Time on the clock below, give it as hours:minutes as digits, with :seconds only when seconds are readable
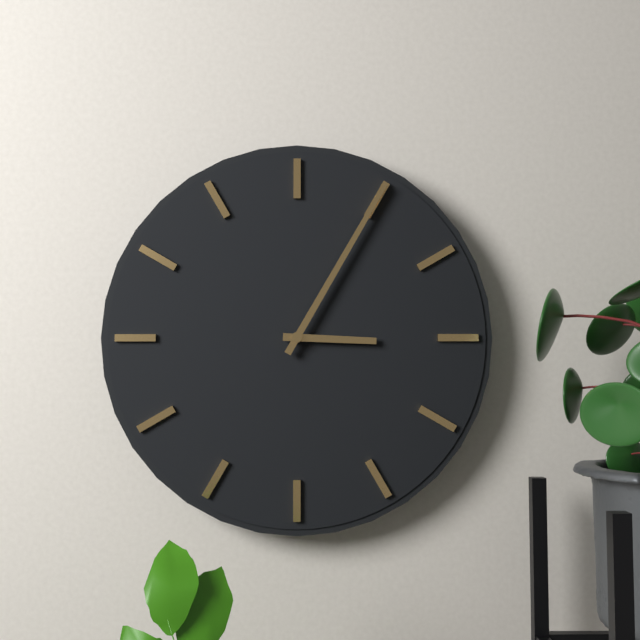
3:05
